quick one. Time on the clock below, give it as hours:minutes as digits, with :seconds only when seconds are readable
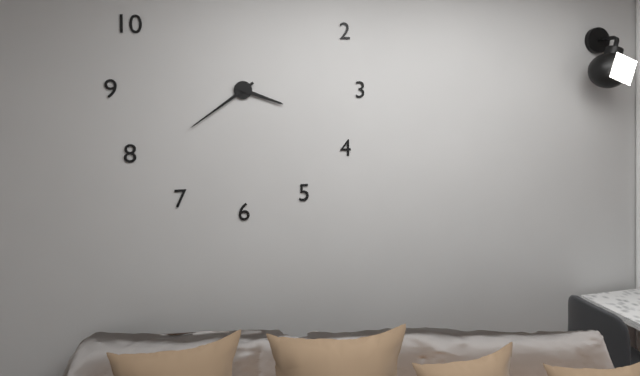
3:39
